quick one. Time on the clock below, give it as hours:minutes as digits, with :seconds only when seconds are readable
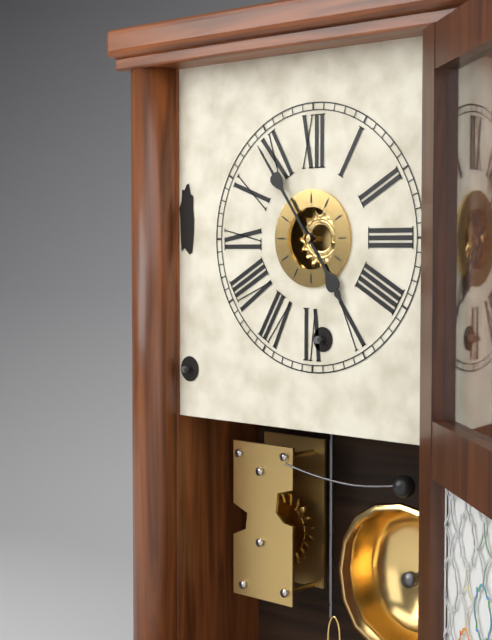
4:54
